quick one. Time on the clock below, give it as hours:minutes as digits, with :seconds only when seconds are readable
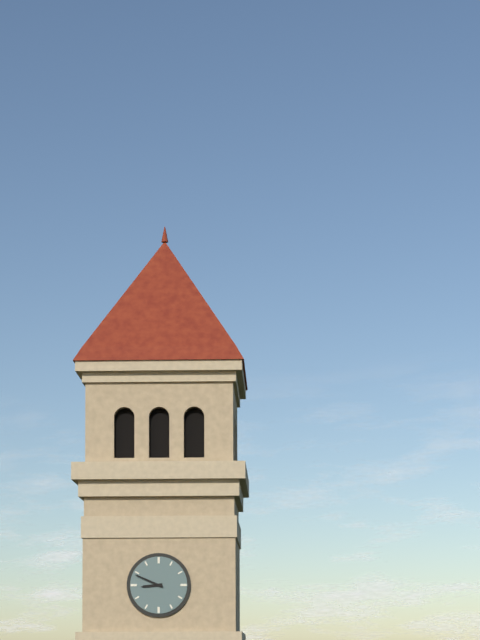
8:49
